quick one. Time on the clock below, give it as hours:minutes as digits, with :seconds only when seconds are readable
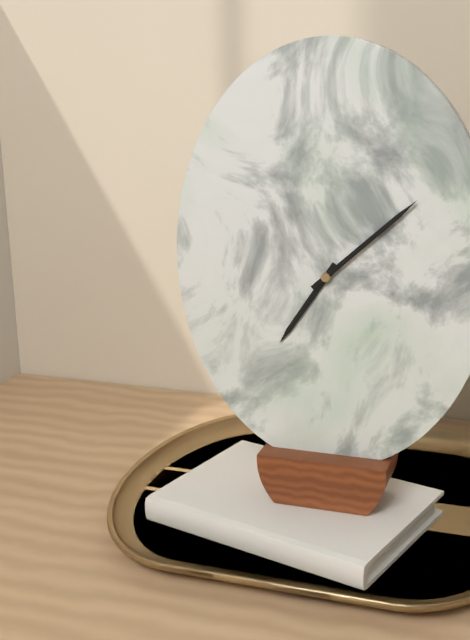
7:08
